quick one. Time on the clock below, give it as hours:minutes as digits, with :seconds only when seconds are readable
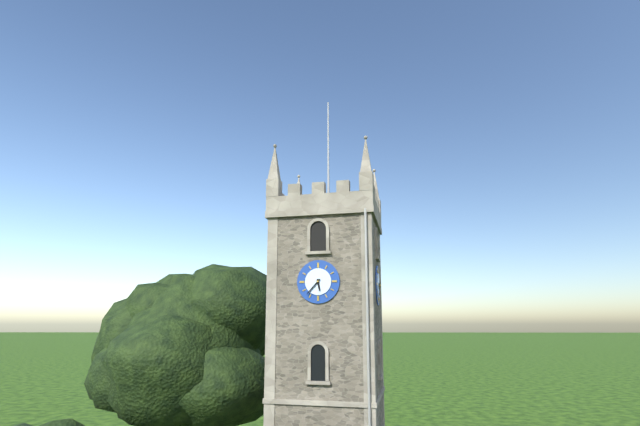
5:37
